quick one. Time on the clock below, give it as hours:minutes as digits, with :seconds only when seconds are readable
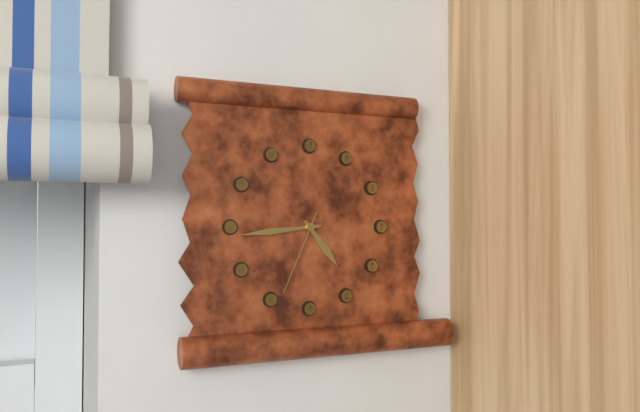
4:44:34
